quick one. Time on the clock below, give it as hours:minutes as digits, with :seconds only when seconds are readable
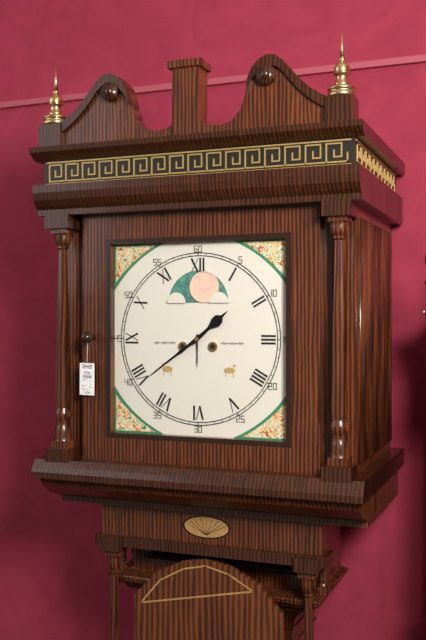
1:39
